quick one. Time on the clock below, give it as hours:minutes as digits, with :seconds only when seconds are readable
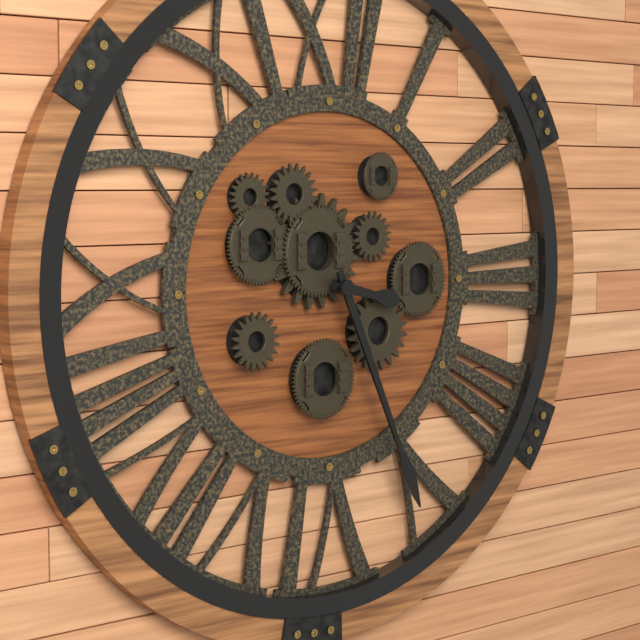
3:26
